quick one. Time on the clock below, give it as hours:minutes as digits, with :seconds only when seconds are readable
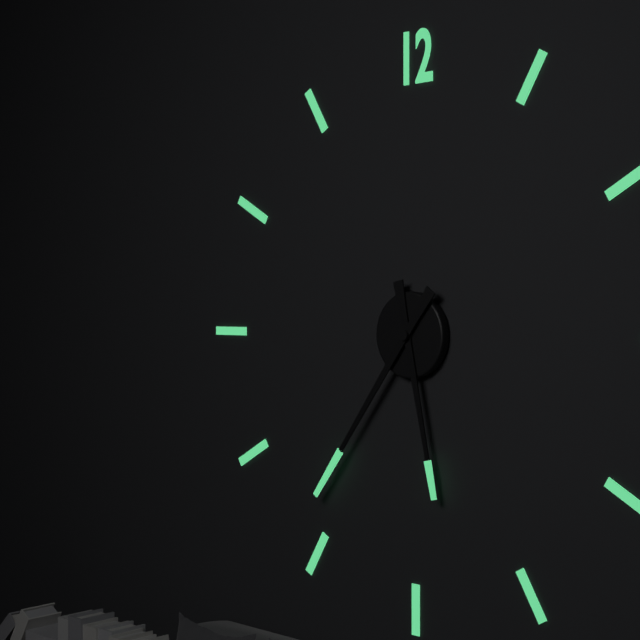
5:36
